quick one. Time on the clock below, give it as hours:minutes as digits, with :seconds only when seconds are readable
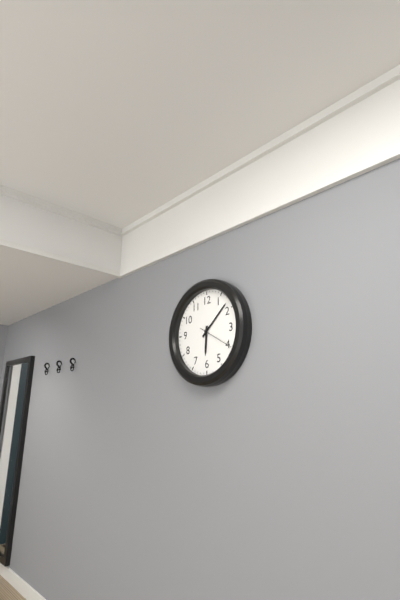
6:08
